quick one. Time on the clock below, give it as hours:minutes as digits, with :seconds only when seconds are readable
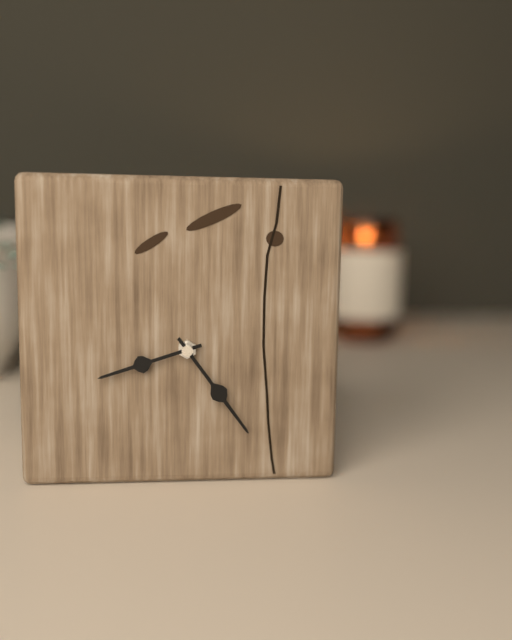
8:24
